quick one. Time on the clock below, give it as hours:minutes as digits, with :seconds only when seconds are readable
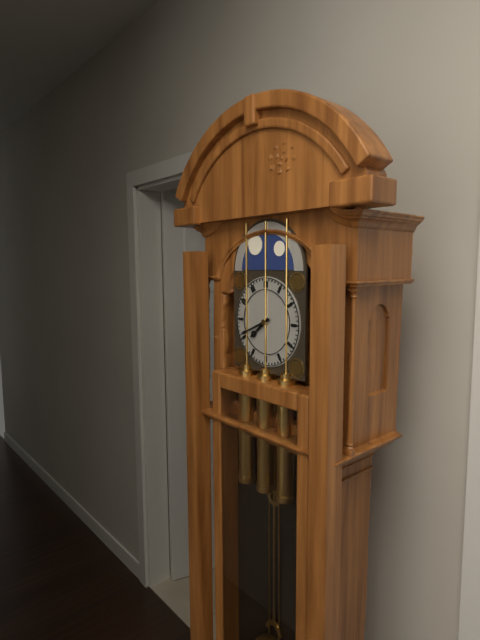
7:41
